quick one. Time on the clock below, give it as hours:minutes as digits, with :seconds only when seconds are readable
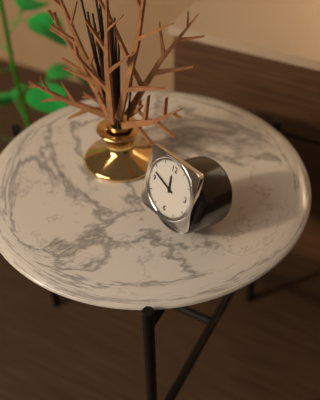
11:48
